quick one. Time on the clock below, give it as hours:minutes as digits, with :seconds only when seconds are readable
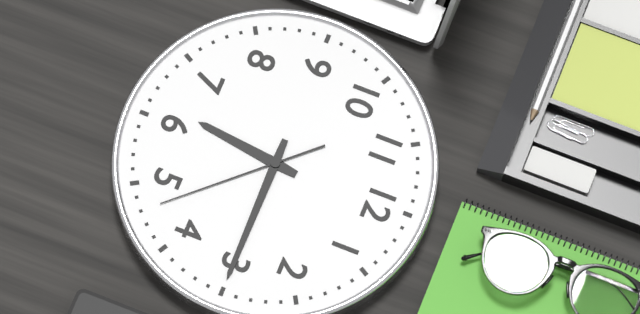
6:15:23
